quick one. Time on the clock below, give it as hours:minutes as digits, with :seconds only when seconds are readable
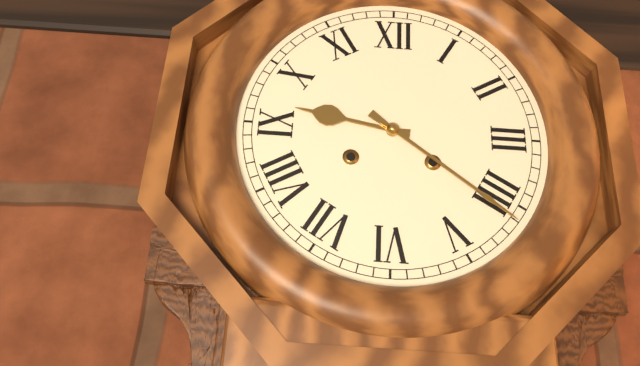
9:21
